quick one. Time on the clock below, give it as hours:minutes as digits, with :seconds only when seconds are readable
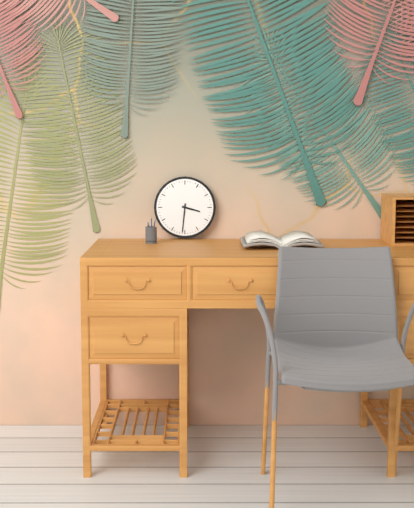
3:31
